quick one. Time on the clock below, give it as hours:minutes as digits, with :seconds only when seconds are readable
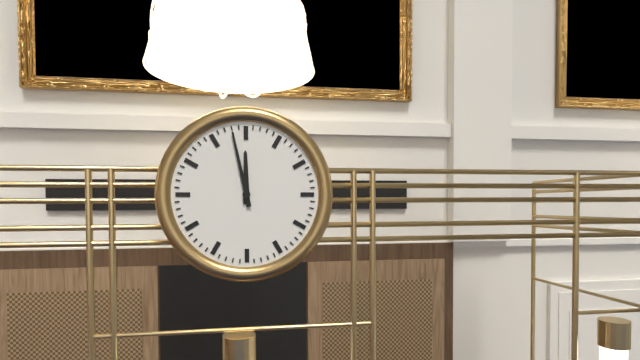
11:58
